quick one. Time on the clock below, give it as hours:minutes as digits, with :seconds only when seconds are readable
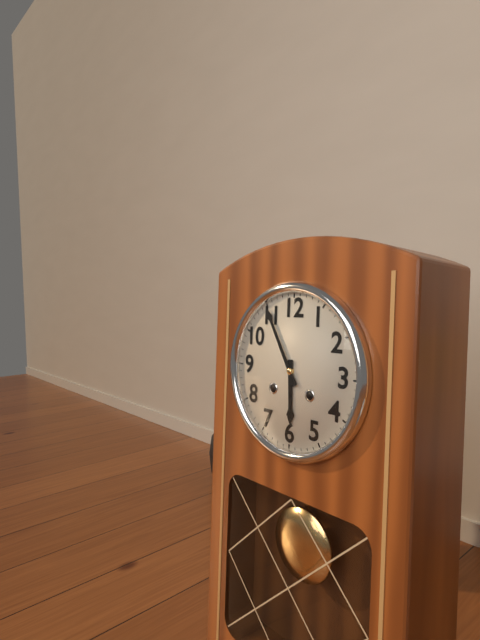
5:55
